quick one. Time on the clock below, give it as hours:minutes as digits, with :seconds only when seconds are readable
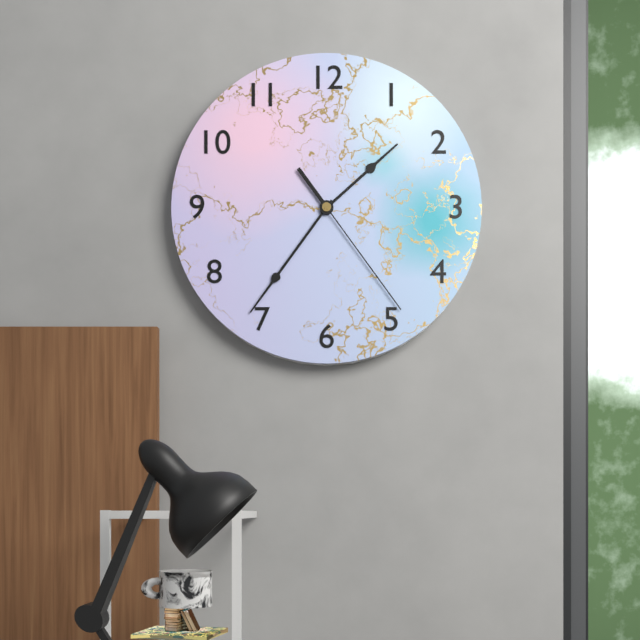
1:36:24
